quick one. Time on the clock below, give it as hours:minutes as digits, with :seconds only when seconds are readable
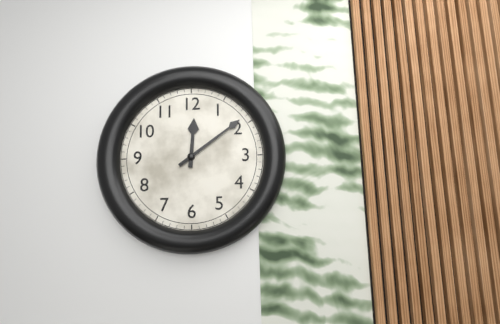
12:09
